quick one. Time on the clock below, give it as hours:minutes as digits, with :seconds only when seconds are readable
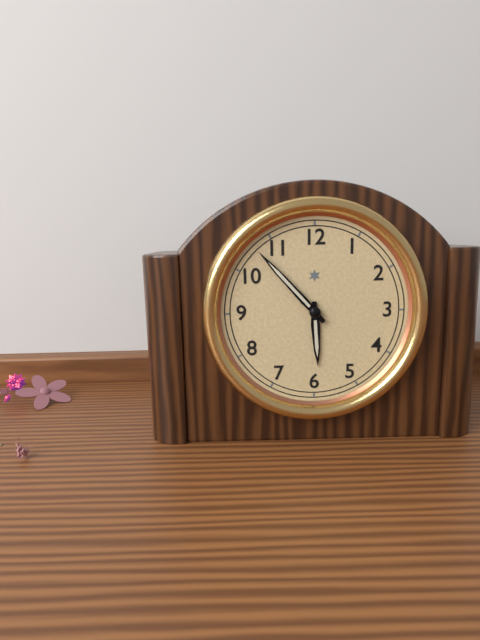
5:53
